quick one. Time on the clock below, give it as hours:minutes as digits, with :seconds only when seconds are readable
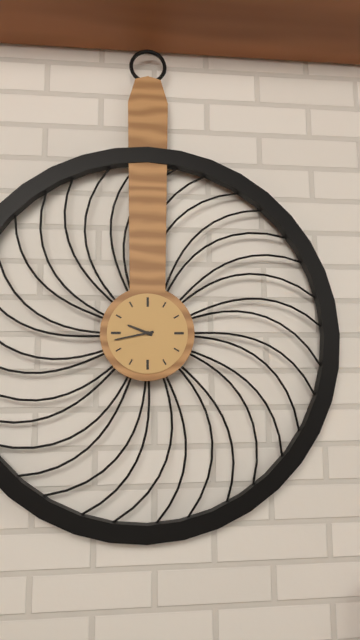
9:43
